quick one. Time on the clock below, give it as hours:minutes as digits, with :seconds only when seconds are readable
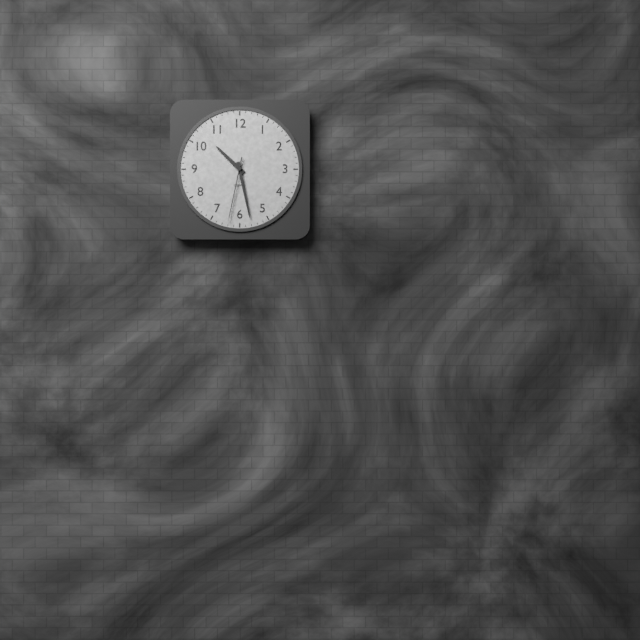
10:28:32
